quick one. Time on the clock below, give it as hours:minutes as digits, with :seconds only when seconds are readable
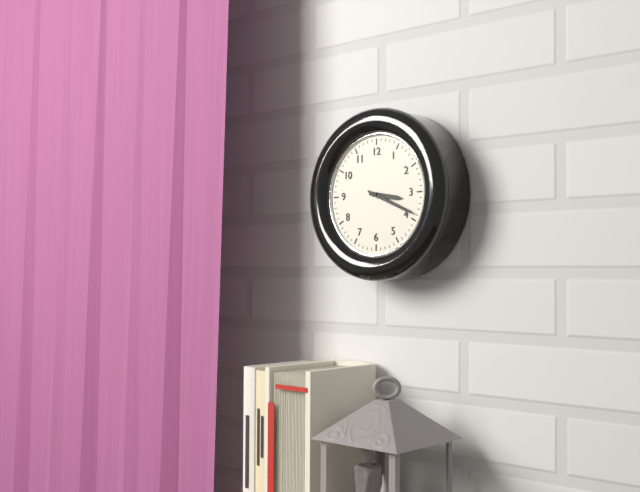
3:19
